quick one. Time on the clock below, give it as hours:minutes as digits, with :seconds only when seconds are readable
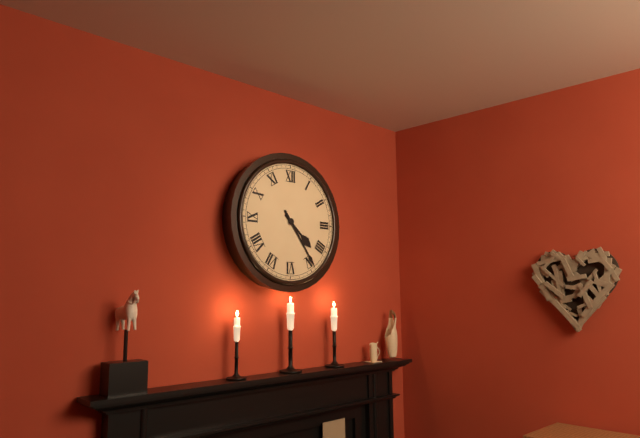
4:24
